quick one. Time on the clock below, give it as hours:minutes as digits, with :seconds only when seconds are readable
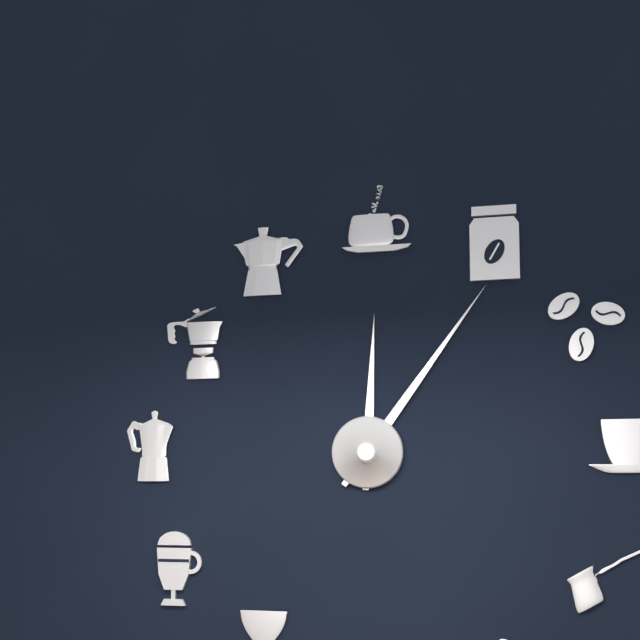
12:06
